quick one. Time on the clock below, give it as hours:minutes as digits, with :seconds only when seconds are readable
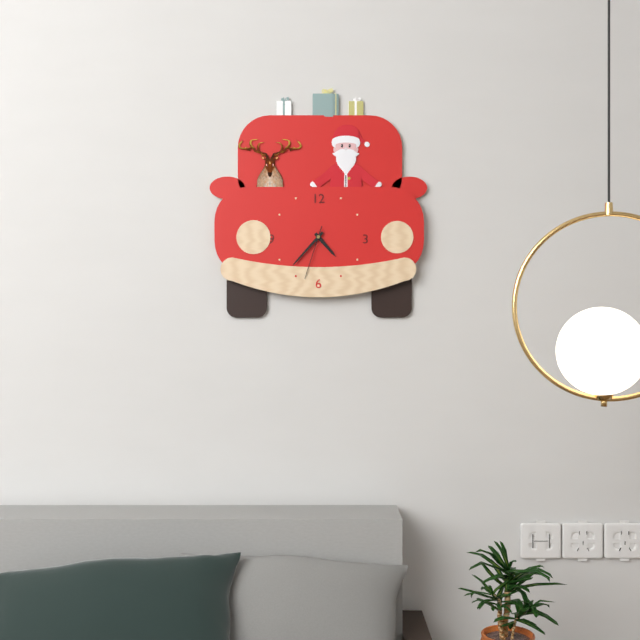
4:37:33
